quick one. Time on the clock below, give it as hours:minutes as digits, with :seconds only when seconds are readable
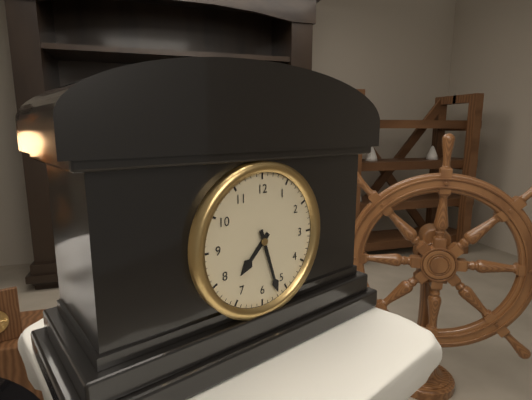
7:27
